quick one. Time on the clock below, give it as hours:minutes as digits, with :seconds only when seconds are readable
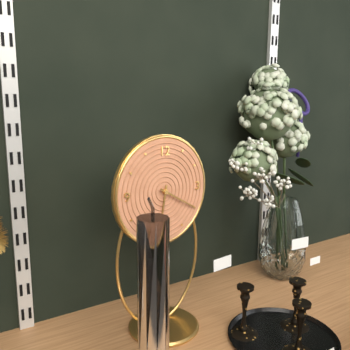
6:20
